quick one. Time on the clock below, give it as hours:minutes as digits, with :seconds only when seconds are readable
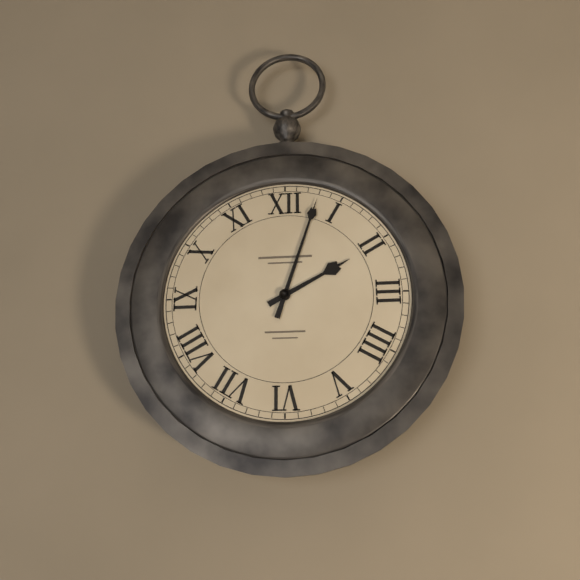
2:03
